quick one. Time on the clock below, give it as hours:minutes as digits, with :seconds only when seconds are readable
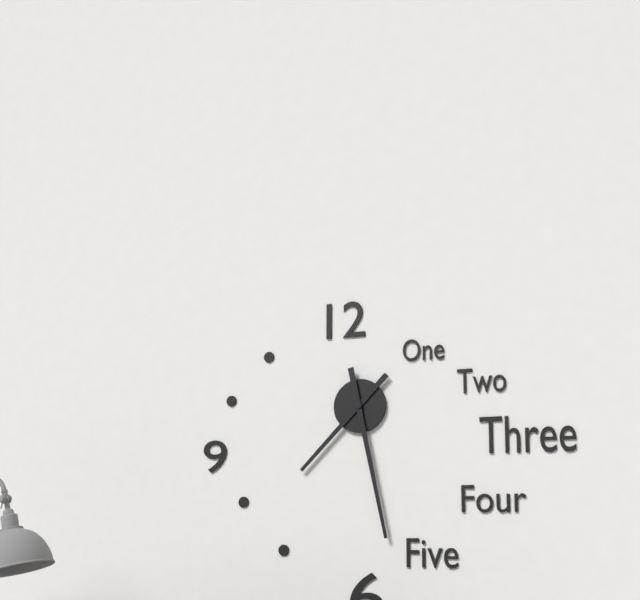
7:28
